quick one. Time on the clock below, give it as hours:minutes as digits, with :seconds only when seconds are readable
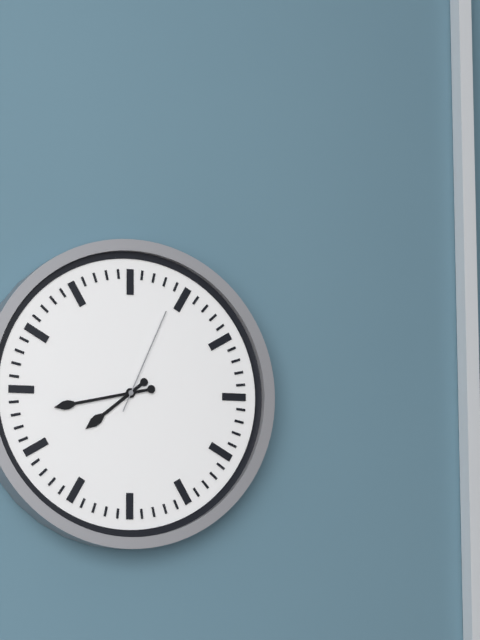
7:43:04
